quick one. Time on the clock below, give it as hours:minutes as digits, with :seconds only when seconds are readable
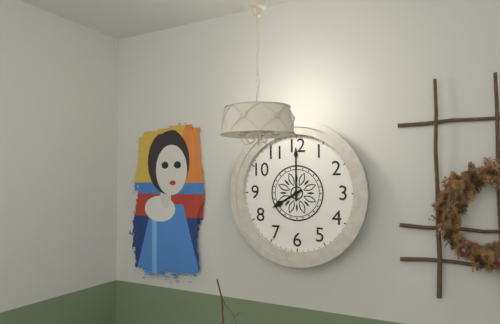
8:00
